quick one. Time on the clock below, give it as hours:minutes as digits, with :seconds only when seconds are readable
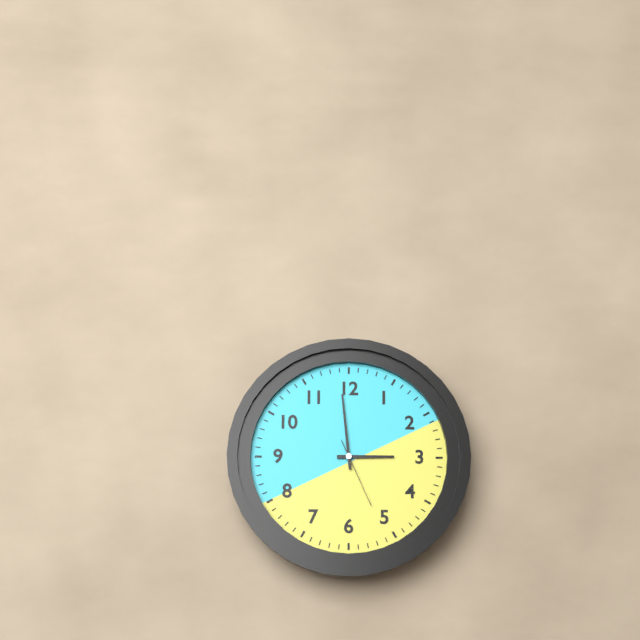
2:59:26
